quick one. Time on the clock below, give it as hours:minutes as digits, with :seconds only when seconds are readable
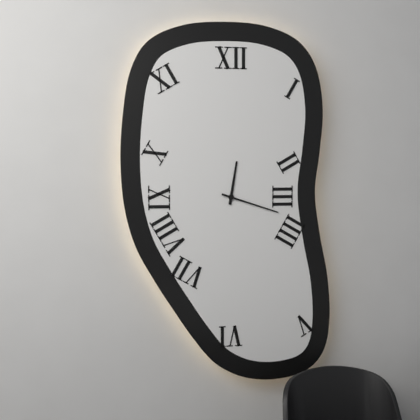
12:18
